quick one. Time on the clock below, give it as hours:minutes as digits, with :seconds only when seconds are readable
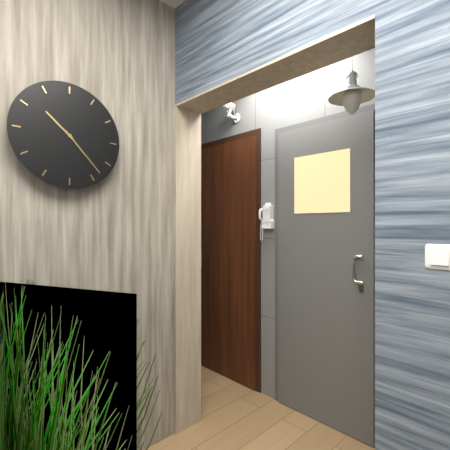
10:23
